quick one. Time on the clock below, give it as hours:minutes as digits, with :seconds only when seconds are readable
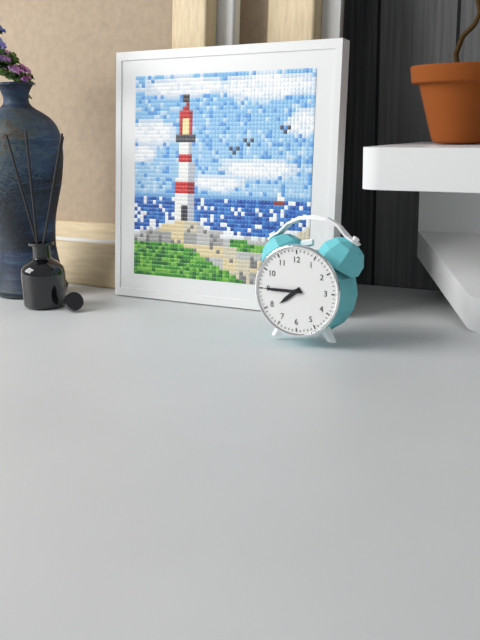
7:45
